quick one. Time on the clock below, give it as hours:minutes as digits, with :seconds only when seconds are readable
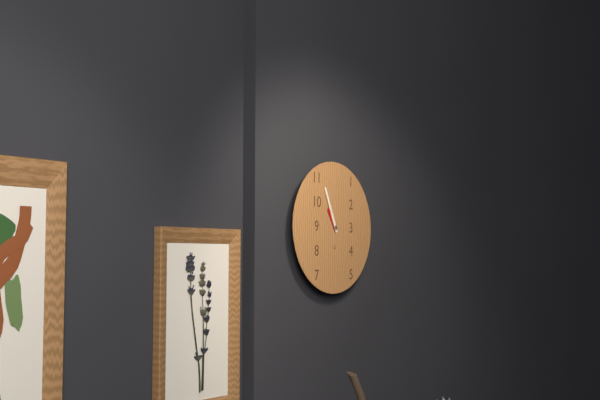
10:56
